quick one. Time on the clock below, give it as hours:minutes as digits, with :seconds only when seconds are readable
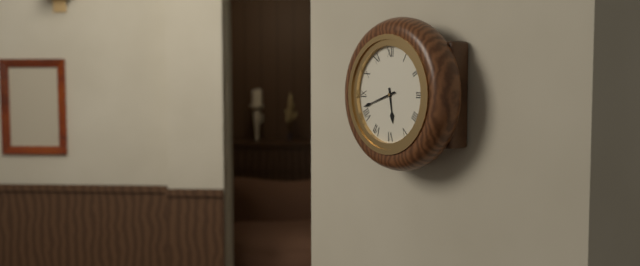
5:42
